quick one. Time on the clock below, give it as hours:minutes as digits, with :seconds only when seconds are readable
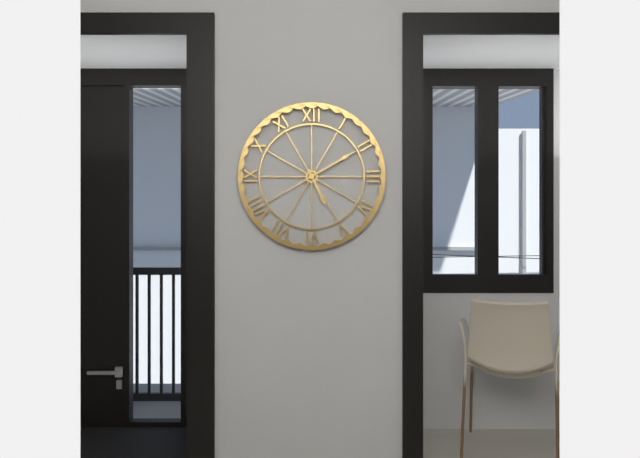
5:10
